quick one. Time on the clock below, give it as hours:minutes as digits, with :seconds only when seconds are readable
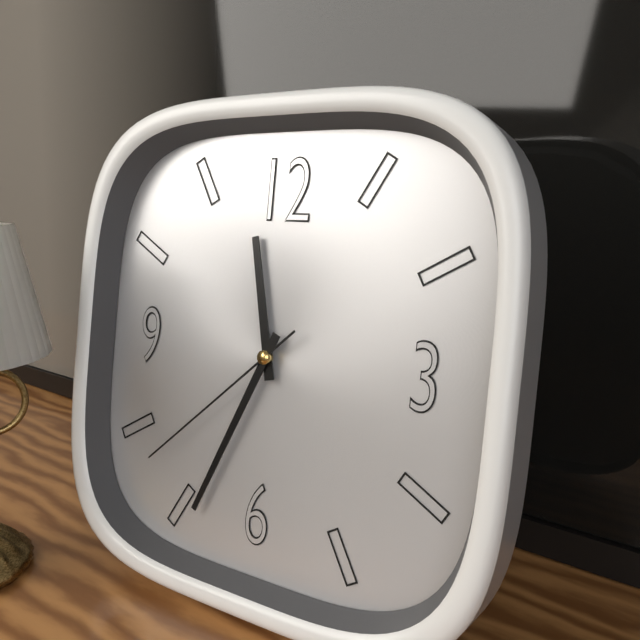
11:34:38
